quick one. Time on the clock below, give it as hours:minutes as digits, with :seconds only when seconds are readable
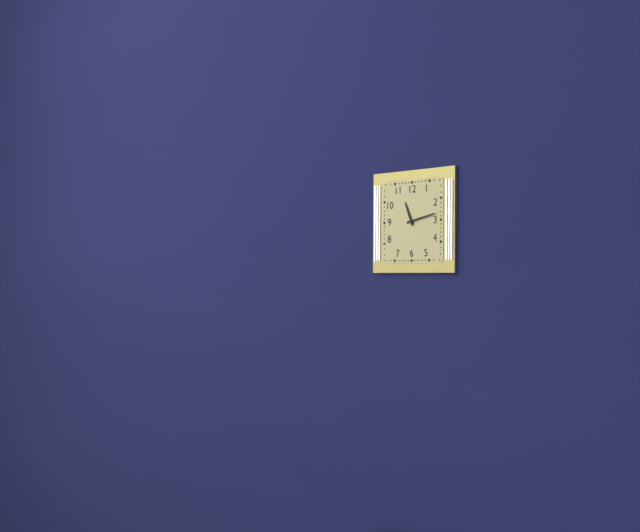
11:13
